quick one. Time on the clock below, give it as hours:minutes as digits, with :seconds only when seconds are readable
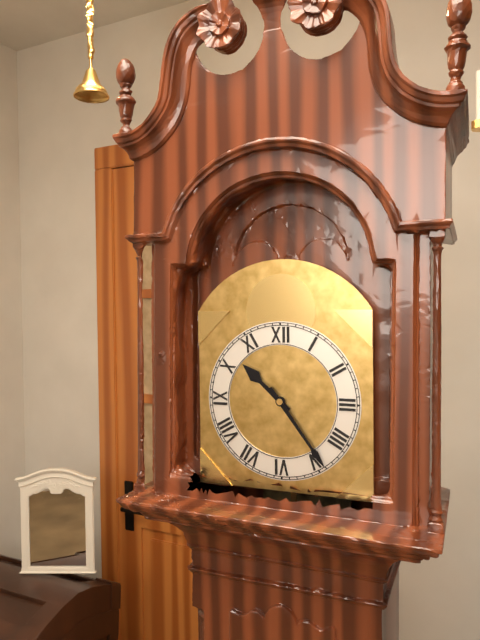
10:24
